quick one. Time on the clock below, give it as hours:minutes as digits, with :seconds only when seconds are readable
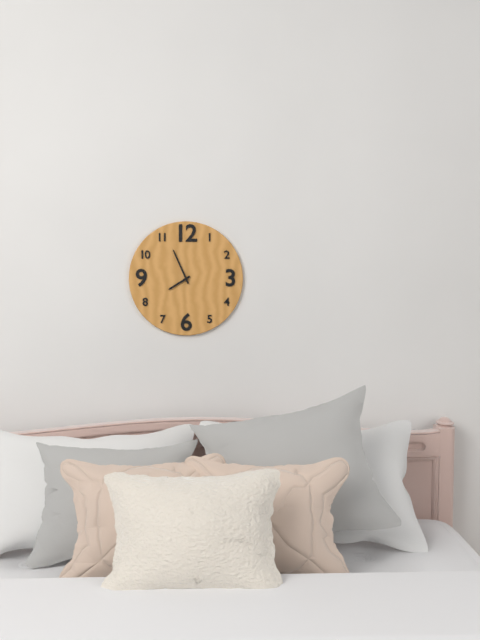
7:56
